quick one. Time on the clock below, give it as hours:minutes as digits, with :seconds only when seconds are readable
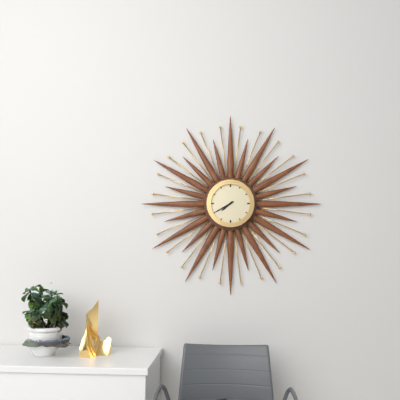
7:40
